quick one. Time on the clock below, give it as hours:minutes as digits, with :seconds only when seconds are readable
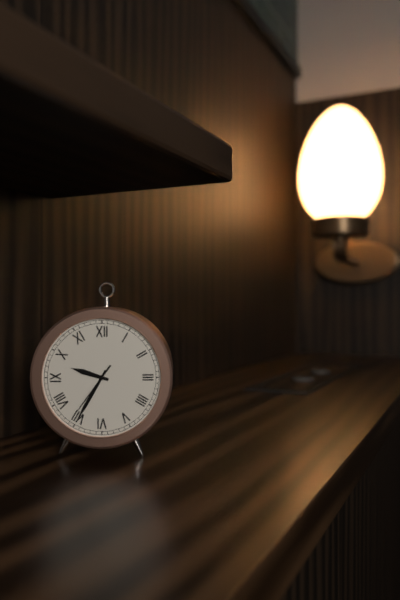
9:35:36
